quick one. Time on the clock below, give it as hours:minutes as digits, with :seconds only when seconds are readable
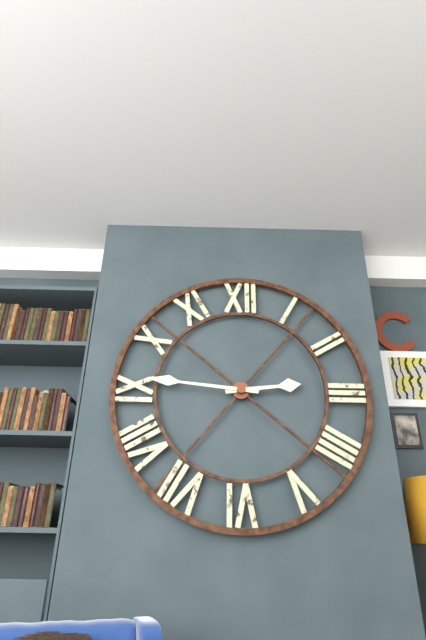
2:46
